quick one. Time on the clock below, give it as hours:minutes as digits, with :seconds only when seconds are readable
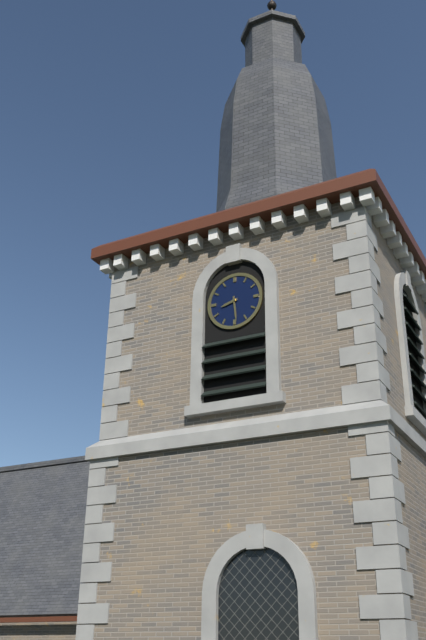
8:29
